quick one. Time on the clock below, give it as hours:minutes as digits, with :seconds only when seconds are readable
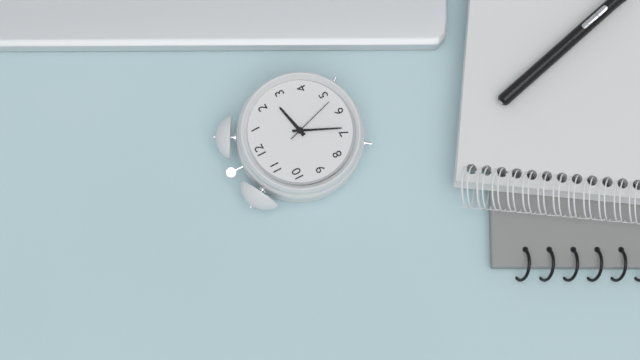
2:34:27
